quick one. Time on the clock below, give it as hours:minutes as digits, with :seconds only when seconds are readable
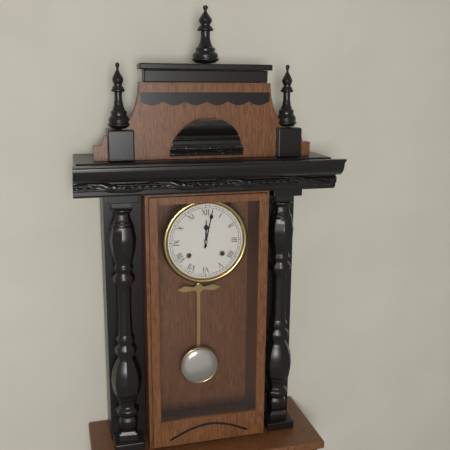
12:02
